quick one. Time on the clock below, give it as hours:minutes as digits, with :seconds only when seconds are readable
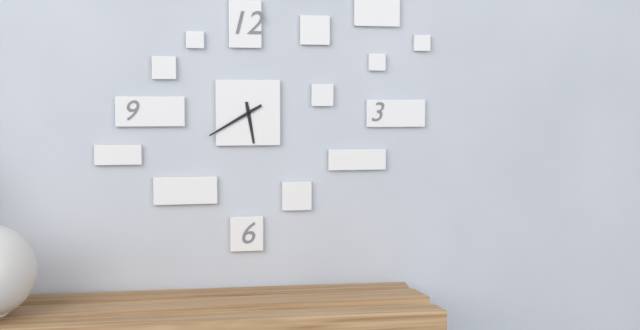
5:40
